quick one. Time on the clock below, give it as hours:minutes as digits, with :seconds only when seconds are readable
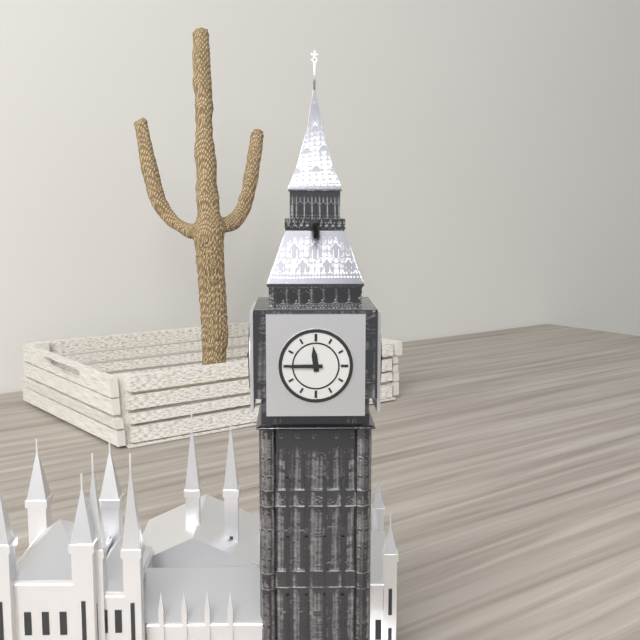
11:45
